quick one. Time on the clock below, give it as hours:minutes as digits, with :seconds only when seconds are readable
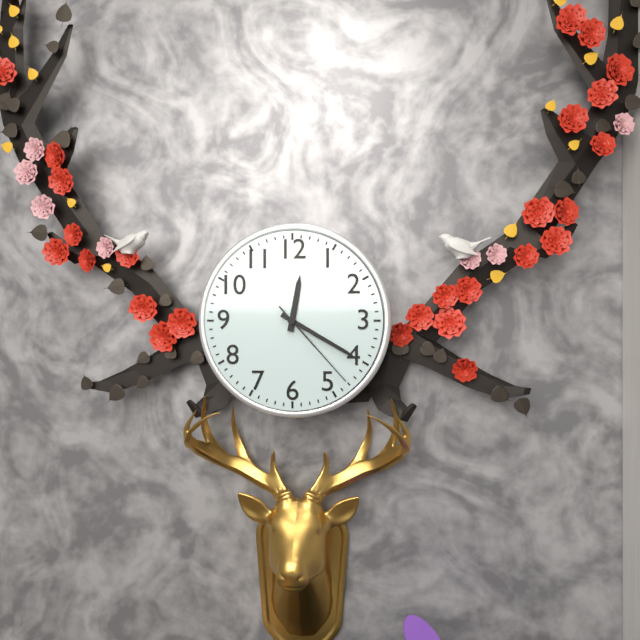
12:20:23
